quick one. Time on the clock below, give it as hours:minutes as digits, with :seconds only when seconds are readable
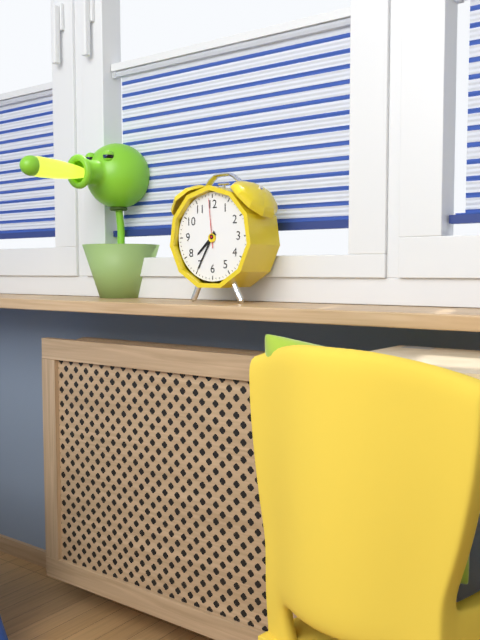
7:35:59
